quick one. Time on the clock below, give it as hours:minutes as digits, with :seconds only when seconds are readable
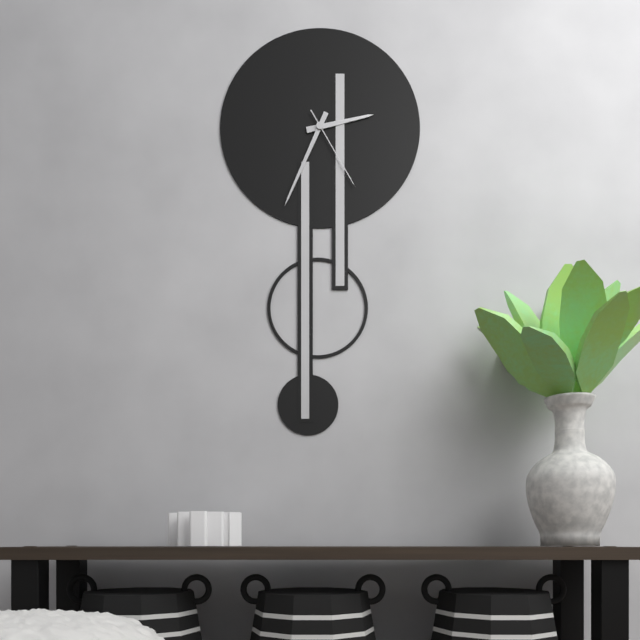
2:34:25
